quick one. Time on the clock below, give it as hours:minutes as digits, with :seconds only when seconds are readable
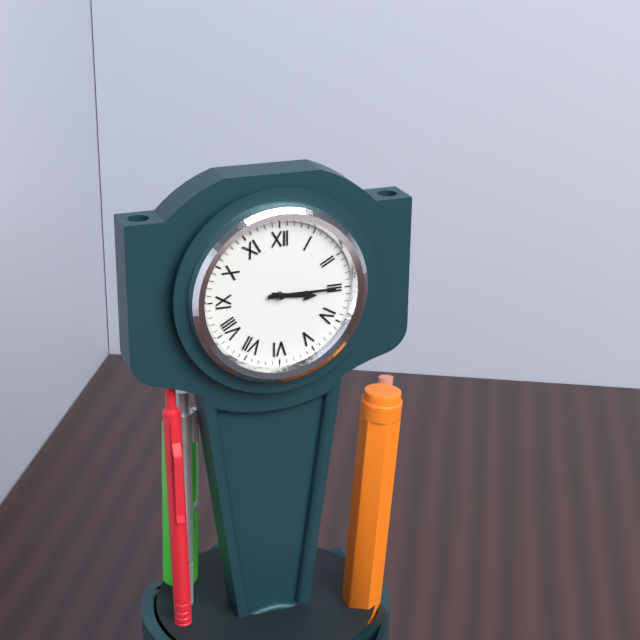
3:15
